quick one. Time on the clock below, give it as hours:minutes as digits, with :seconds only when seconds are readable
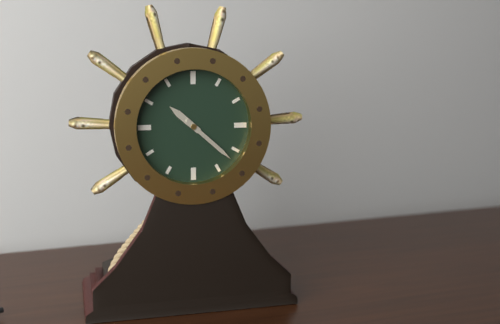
10:22
